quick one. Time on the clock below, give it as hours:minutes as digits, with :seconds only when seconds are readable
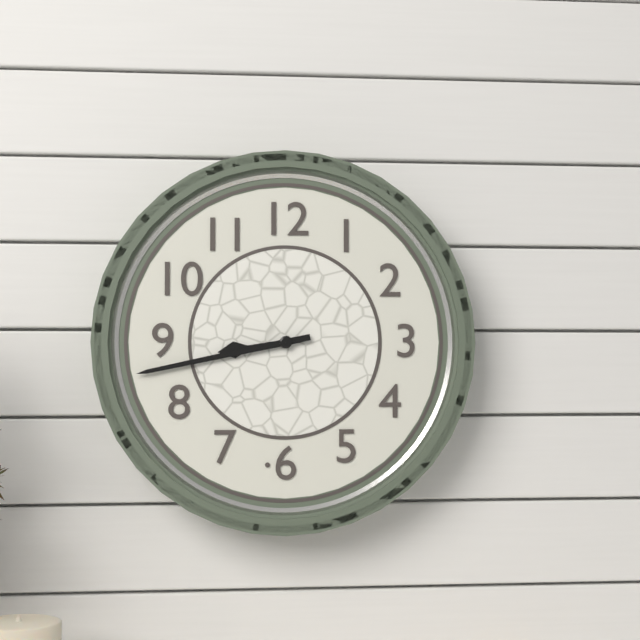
8:43
